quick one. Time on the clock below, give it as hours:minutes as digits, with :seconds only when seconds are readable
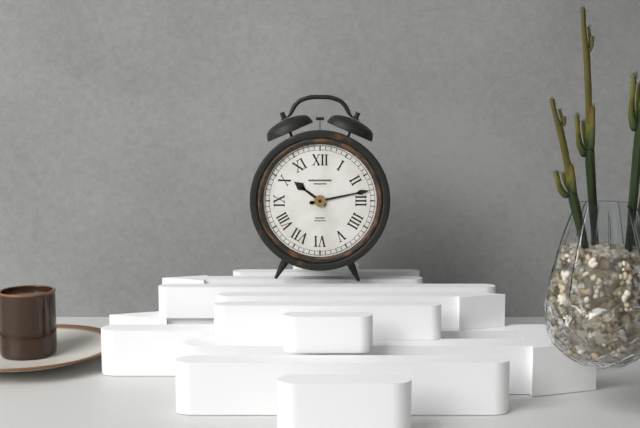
10:13
